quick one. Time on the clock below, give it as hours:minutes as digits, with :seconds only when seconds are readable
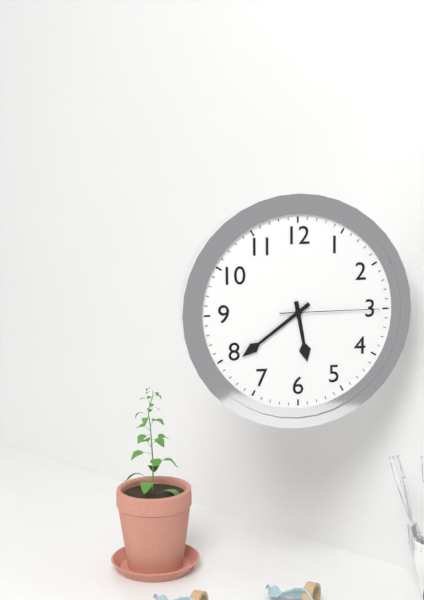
5:39:15
